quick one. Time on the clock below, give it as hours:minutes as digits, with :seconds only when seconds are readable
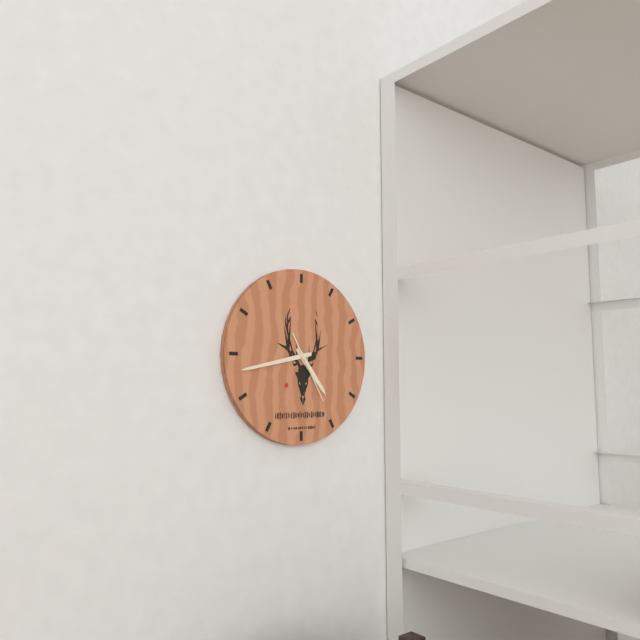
4:43:25
